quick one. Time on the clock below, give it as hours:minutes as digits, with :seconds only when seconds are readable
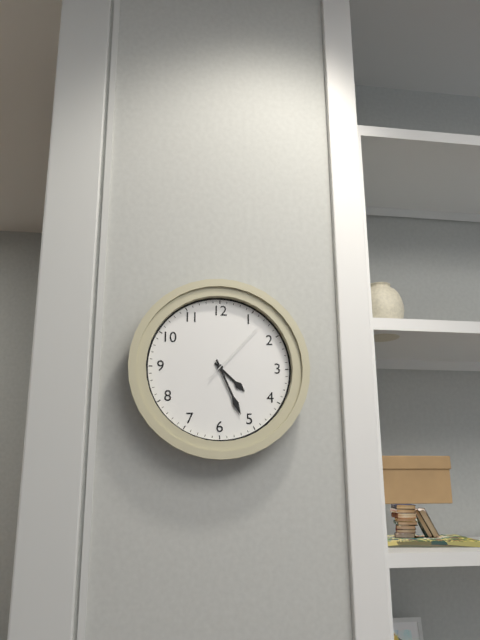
4:26:07
